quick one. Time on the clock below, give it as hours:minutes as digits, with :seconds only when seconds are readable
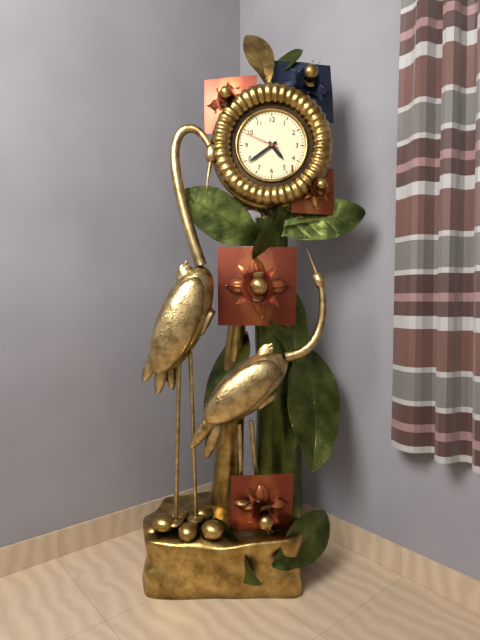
4:39
